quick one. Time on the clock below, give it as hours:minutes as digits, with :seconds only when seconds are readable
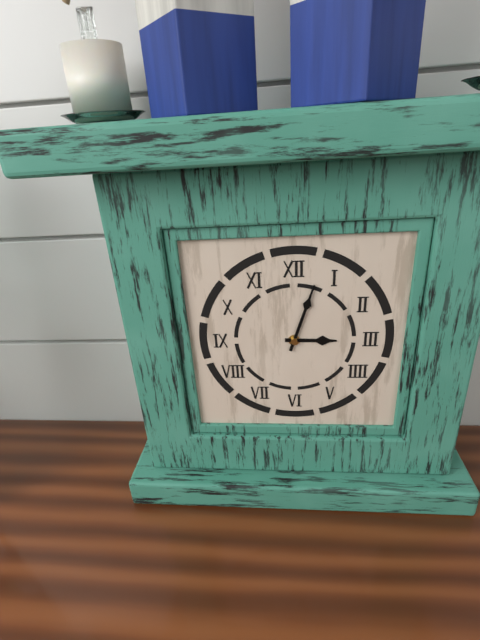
3:03
